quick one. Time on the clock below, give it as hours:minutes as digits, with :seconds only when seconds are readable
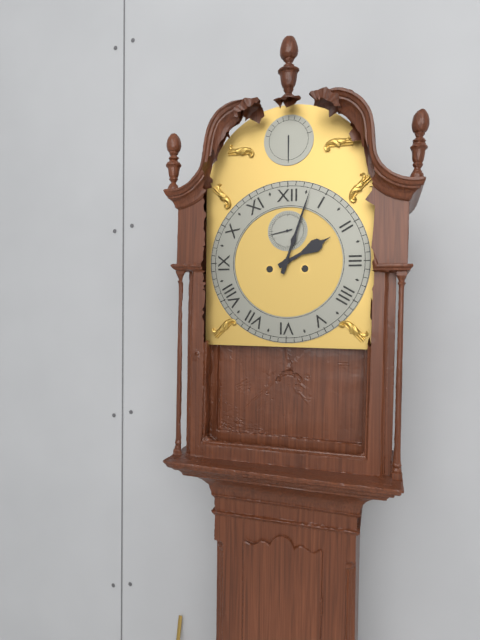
2:03
